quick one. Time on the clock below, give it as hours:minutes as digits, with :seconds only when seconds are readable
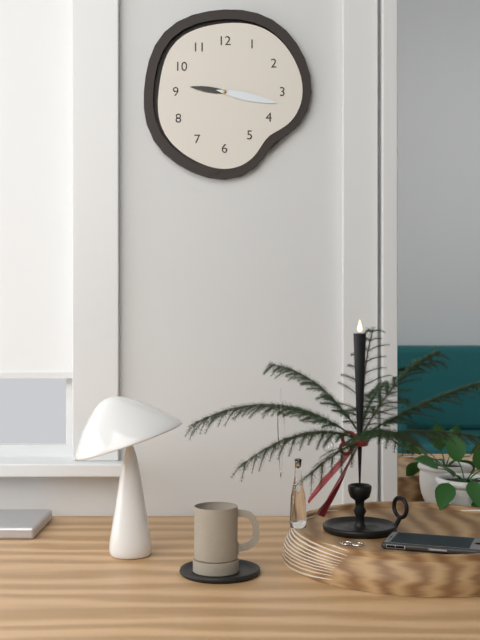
9:17
